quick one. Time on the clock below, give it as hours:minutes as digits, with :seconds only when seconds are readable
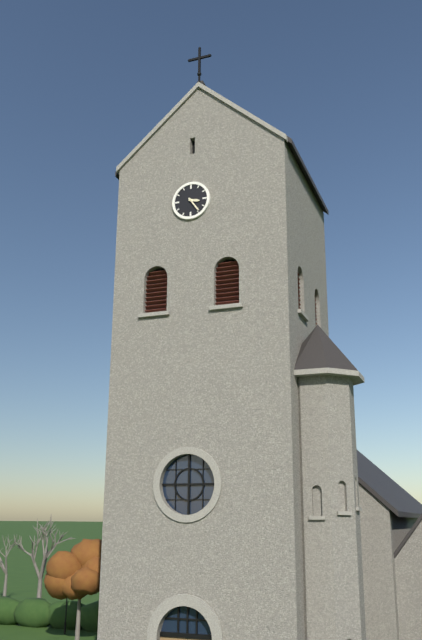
3:24
